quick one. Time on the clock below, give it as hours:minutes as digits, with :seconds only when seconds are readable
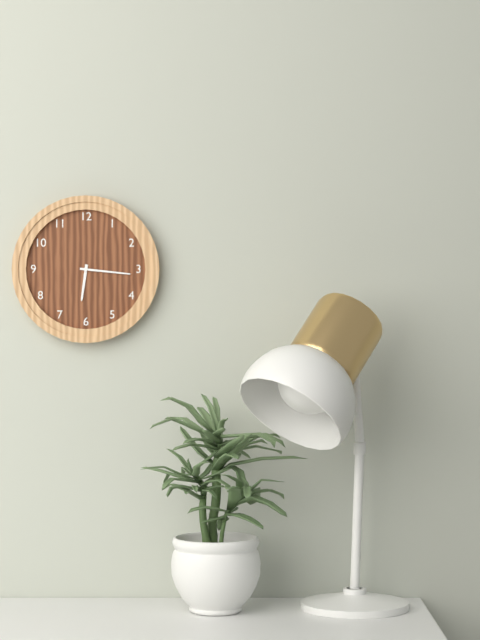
6:16
